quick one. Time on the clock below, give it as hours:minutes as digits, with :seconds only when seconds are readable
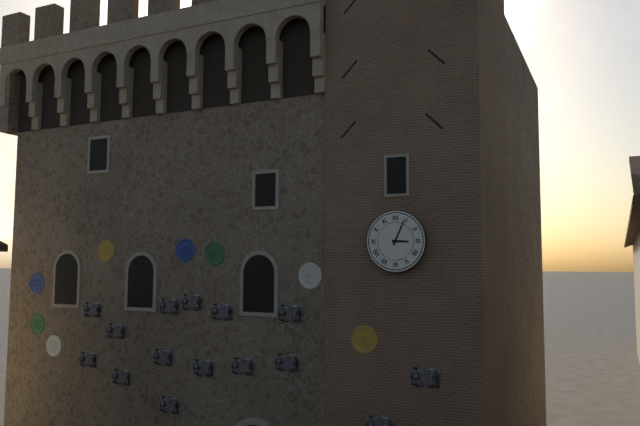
3:04
